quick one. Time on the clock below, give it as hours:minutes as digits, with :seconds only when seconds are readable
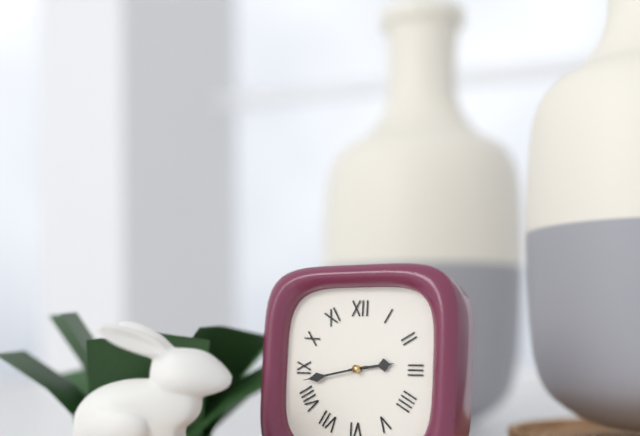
2:43
